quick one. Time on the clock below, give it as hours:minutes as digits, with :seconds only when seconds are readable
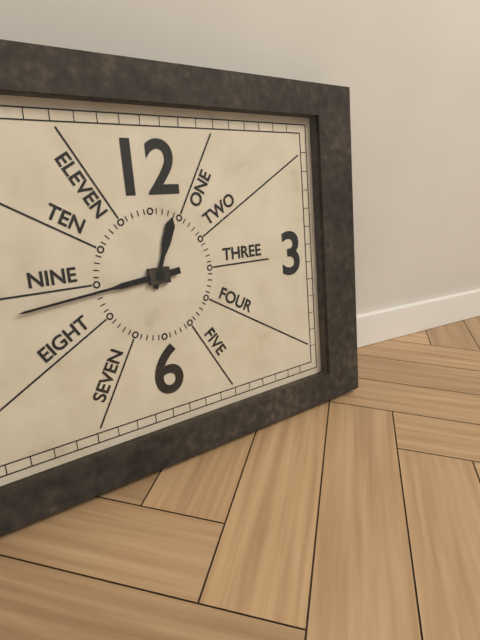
12:44
